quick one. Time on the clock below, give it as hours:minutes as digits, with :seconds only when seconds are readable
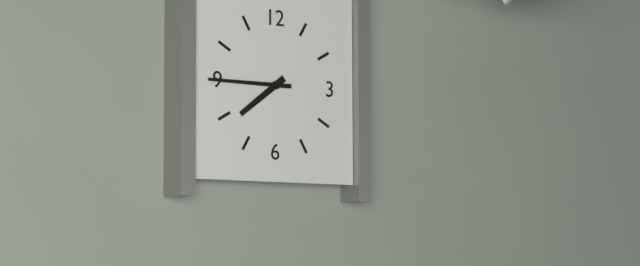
7:45
